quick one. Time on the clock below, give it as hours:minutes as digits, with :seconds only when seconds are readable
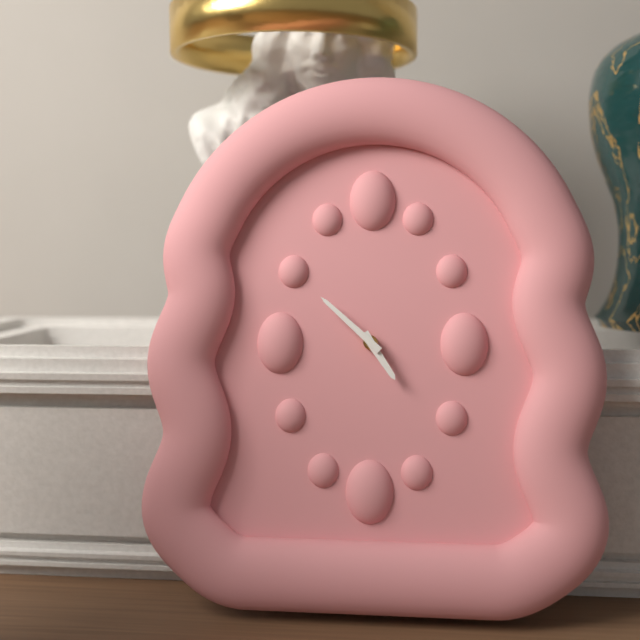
4:52
